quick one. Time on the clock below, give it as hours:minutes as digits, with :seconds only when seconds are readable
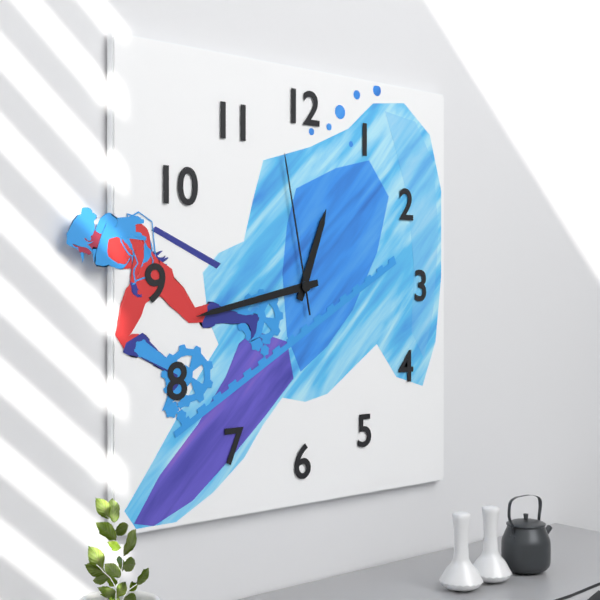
12:43:58
